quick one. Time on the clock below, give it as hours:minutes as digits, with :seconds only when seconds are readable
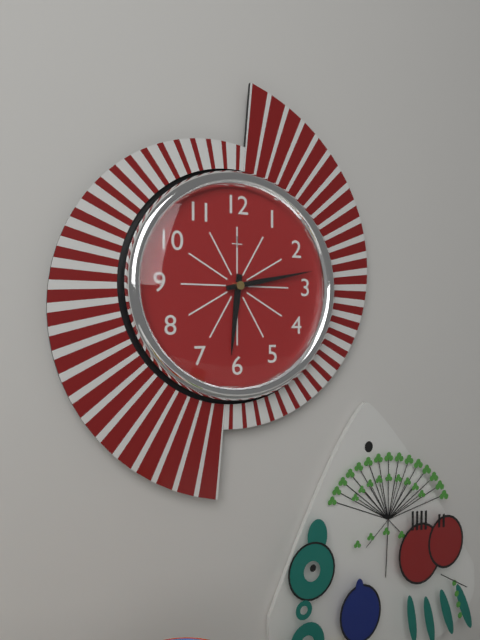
6:13
